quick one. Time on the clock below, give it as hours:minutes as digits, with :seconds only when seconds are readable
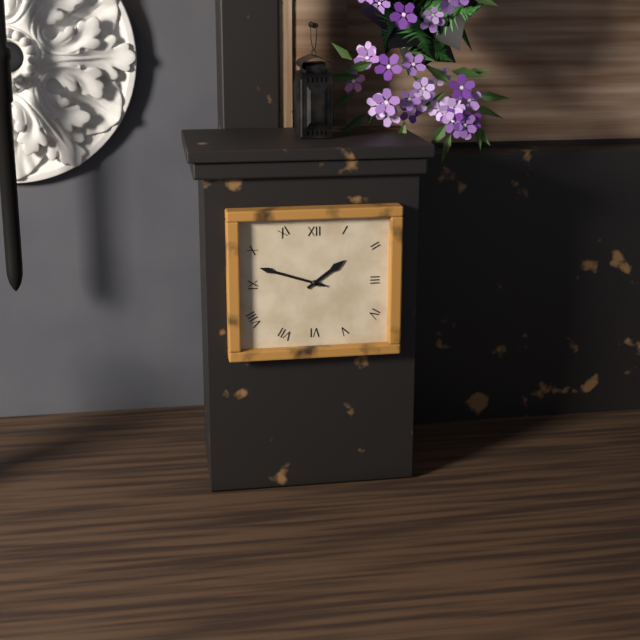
1:48
